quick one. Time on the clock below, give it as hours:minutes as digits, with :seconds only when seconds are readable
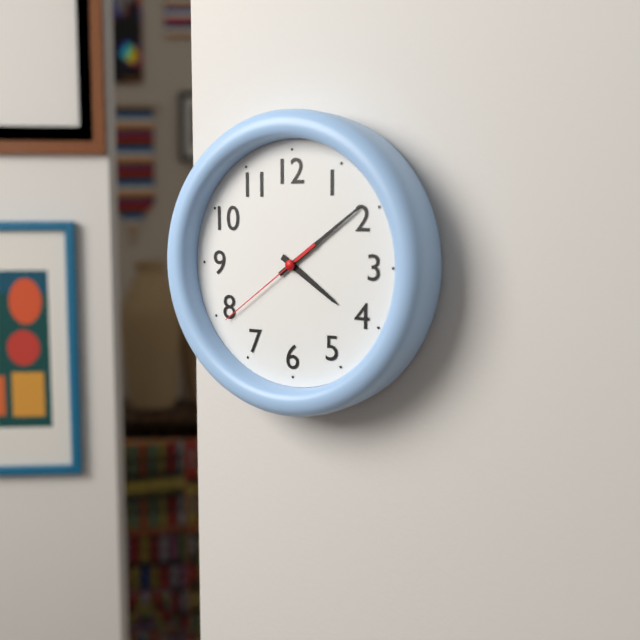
4:09:39
